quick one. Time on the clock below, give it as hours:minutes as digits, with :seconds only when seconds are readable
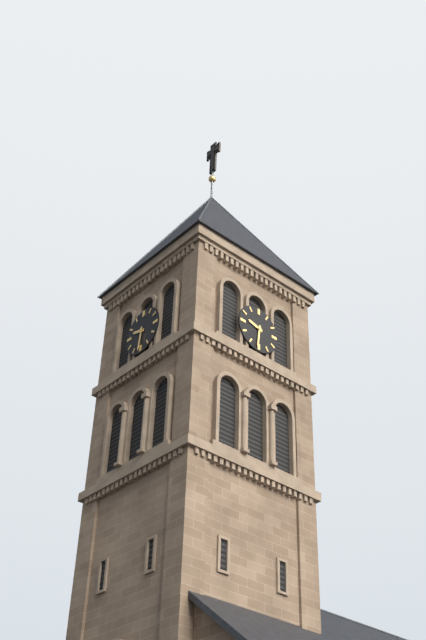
9:31
